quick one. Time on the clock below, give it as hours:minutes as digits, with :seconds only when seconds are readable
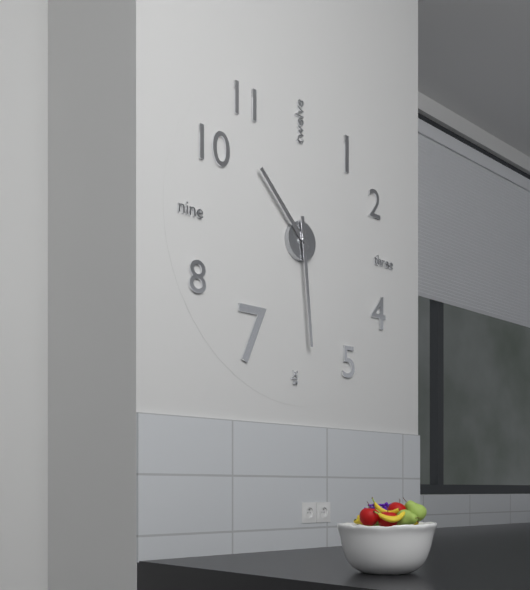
10:29
